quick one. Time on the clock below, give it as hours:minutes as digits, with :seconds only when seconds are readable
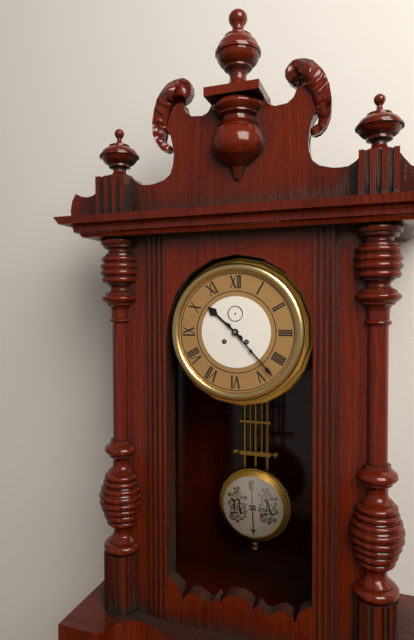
10:23
